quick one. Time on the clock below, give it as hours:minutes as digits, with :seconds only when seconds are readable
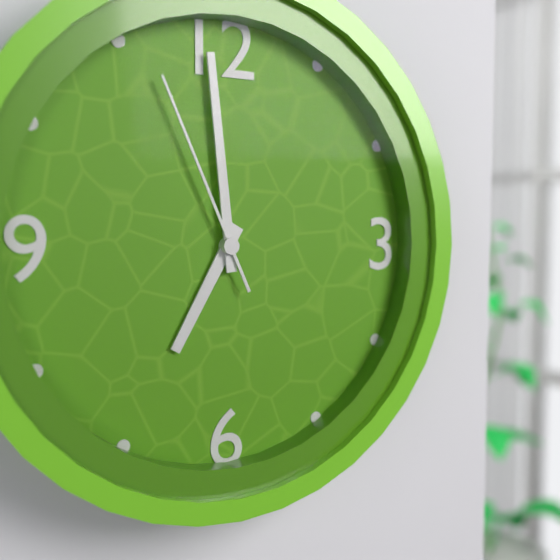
6:59:56
